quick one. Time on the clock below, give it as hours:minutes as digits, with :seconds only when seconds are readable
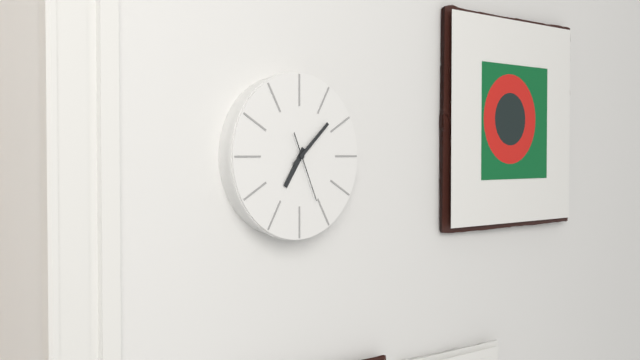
7:08:26
